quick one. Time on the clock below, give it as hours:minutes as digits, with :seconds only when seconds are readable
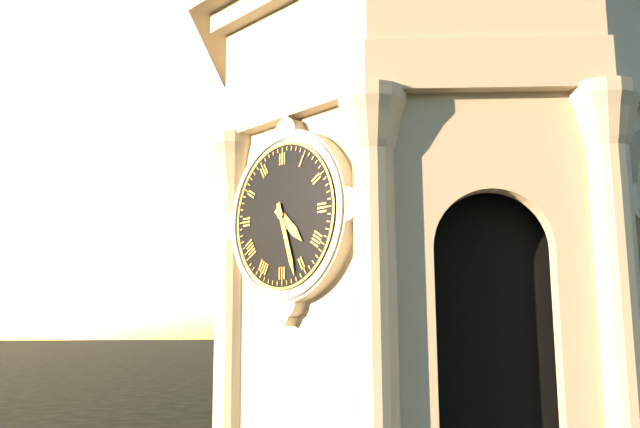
4:27
